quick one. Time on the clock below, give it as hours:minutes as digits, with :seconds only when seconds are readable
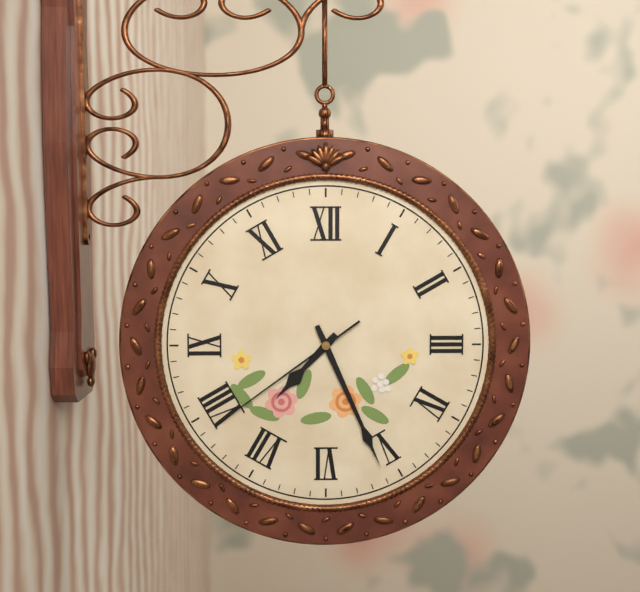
7:26:39
